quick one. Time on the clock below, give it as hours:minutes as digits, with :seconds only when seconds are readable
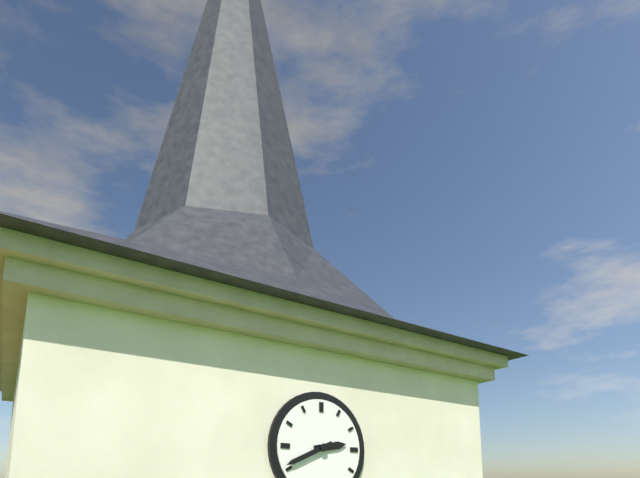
2:41
